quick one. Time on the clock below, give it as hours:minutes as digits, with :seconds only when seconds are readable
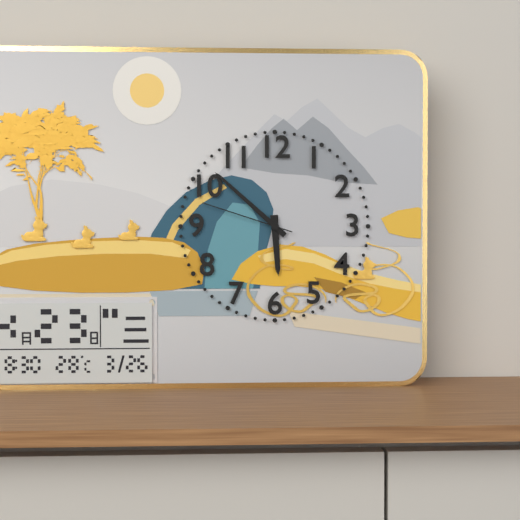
5:52:48
